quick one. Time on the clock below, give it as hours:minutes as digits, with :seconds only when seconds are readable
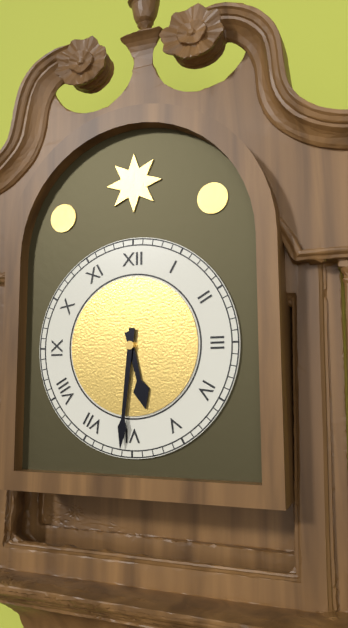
5:31
